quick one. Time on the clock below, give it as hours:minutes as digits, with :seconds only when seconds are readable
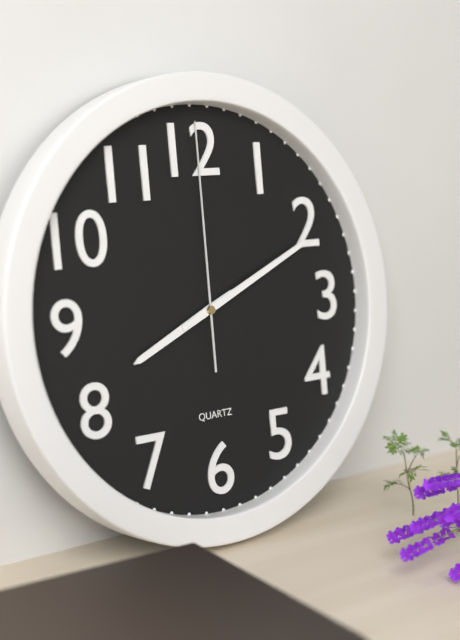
8:11:00
